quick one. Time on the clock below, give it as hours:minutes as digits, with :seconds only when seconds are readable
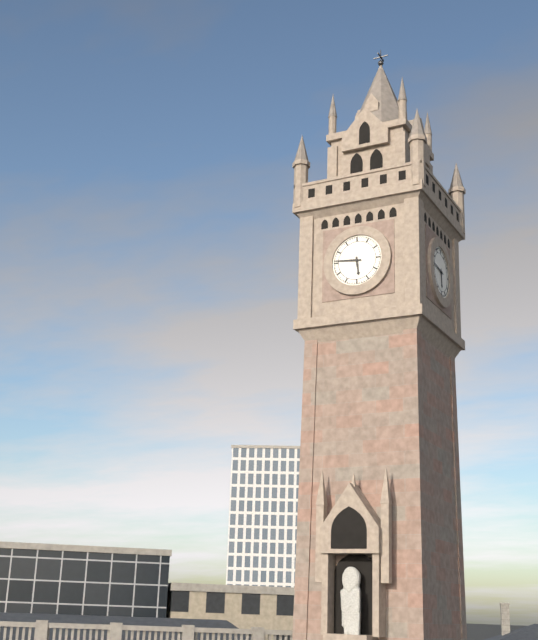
5:46
